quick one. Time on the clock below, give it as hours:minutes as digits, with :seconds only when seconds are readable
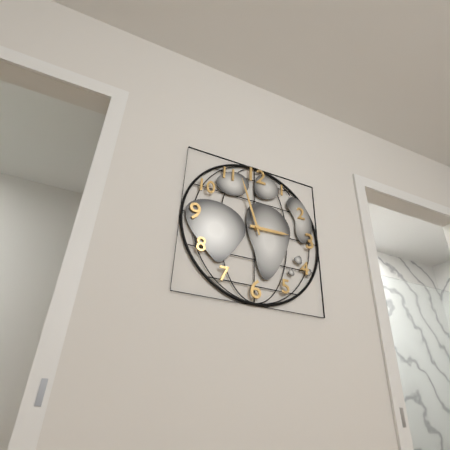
2:57
